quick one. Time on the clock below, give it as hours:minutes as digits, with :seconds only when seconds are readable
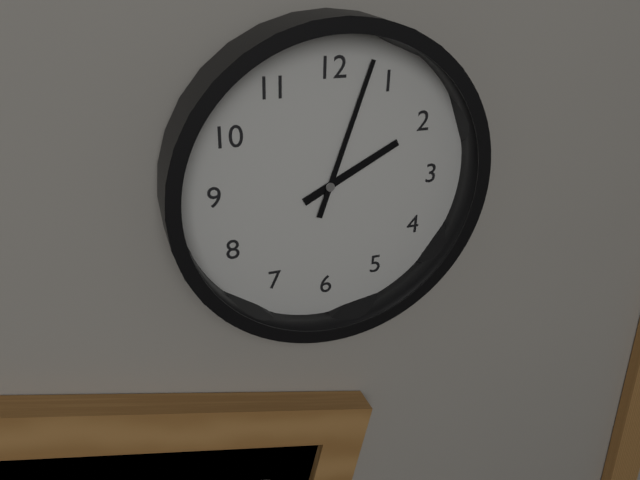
2:03
